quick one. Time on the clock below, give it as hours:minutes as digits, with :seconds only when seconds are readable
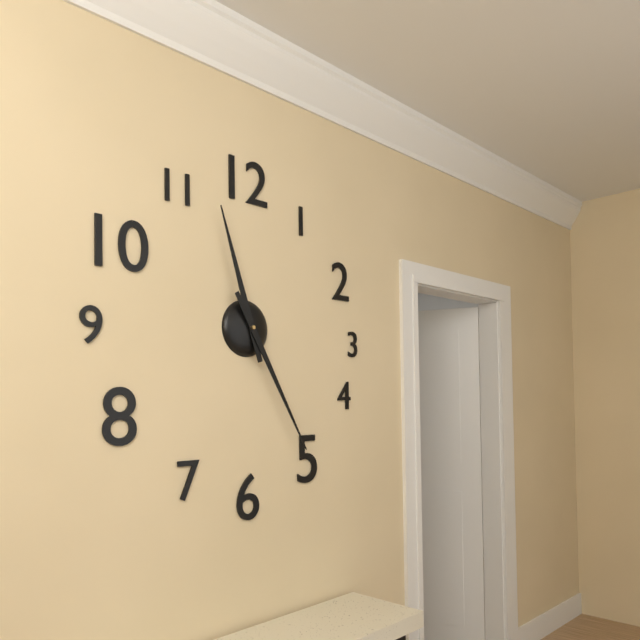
11:25
